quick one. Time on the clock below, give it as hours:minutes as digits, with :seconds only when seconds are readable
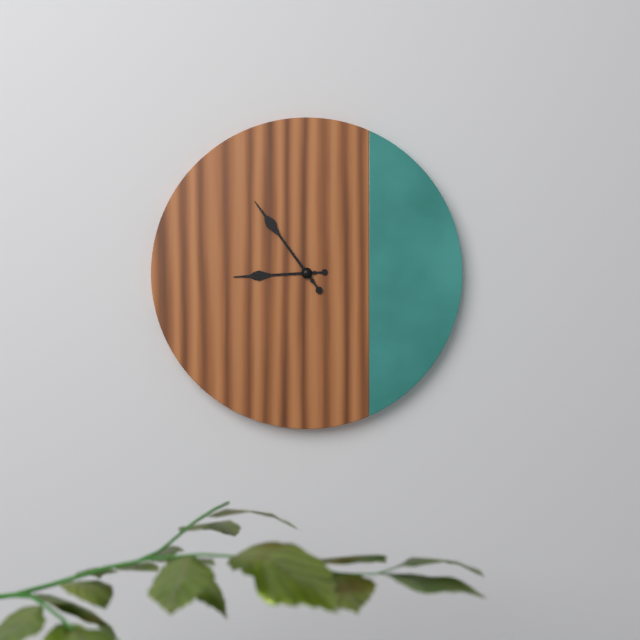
8:54
